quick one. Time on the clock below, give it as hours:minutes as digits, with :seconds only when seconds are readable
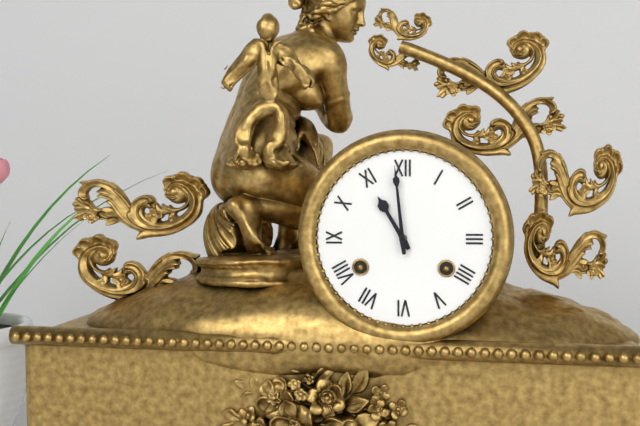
10:59
